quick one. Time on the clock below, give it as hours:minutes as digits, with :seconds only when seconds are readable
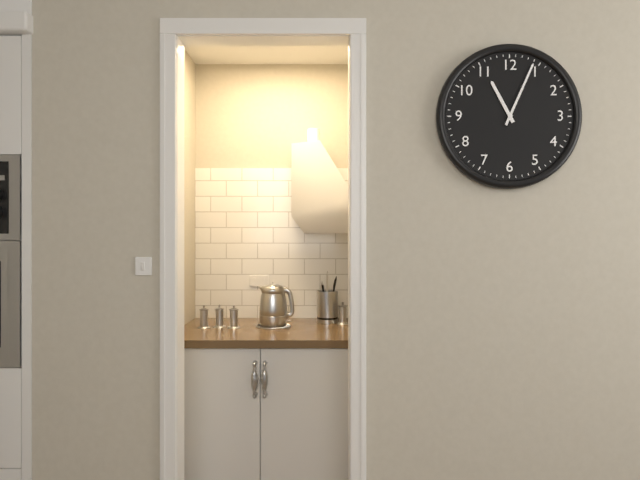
11:04
